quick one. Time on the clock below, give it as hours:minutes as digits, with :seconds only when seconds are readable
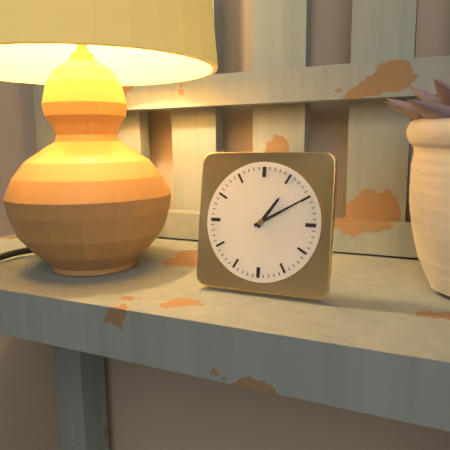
1:10
